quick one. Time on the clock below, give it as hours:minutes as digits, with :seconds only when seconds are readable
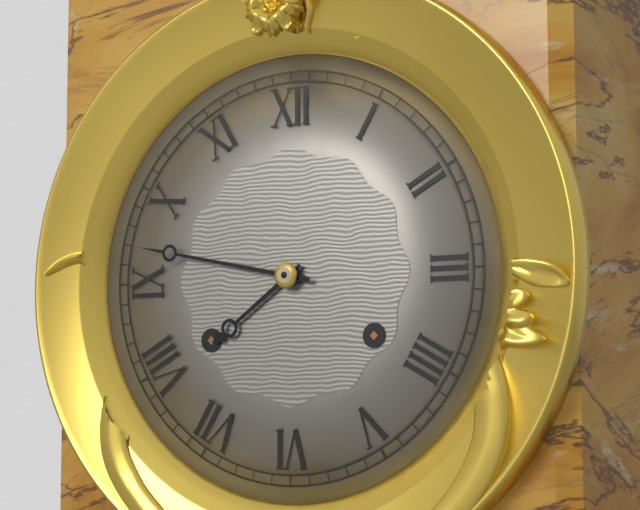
7:47
